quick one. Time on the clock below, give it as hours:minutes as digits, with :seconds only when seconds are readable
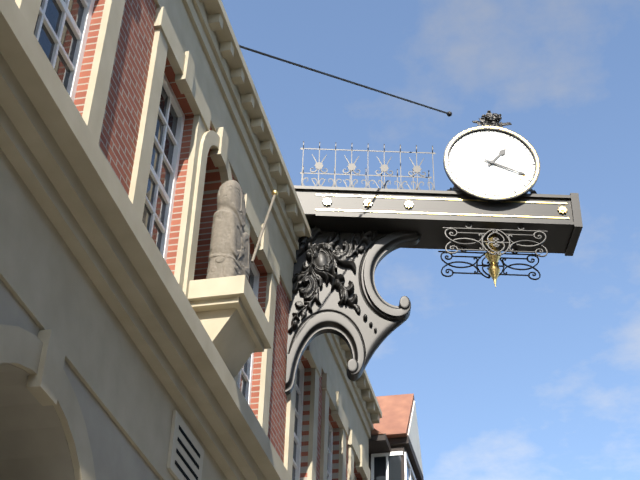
1:19
